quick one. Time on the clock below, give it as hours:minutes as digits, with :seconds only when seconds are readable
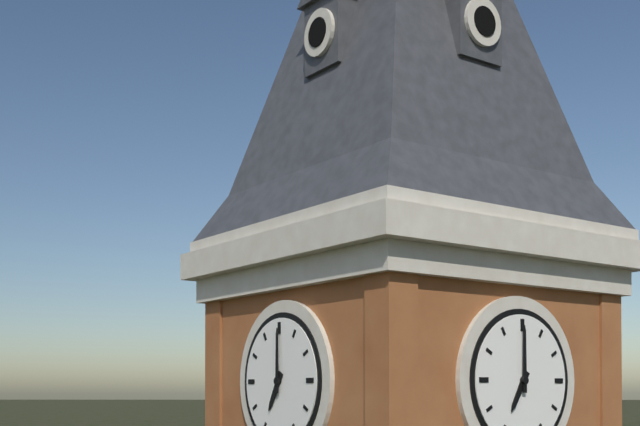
7:00
